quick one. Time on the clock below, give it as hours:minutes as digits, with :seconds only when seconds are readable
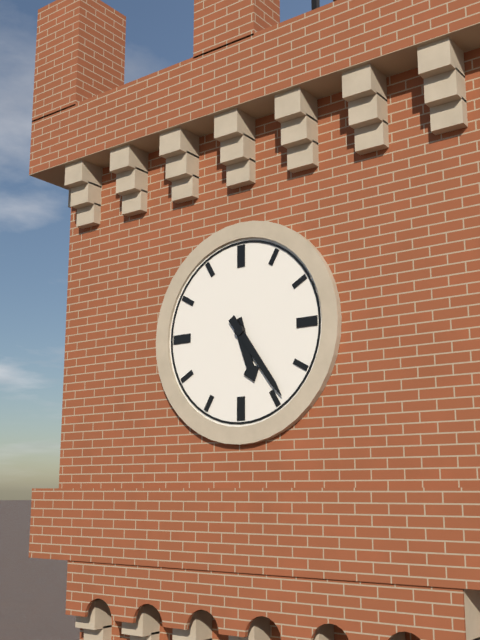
5:24
